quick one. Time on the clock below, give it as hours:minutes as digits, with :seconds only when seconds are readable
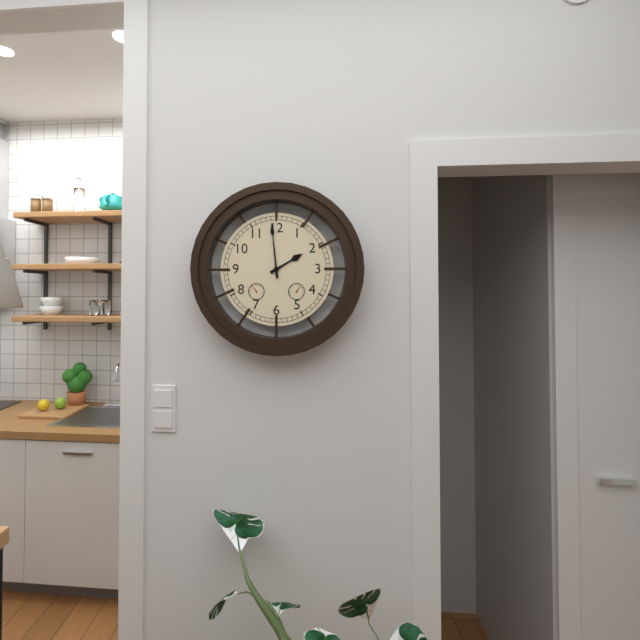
1:59
